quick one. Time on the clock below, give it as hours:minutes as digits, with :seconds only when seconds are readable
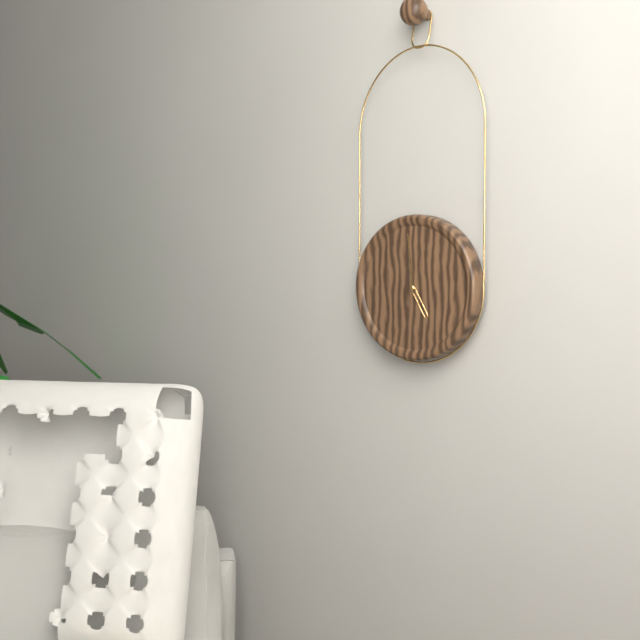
4:59
